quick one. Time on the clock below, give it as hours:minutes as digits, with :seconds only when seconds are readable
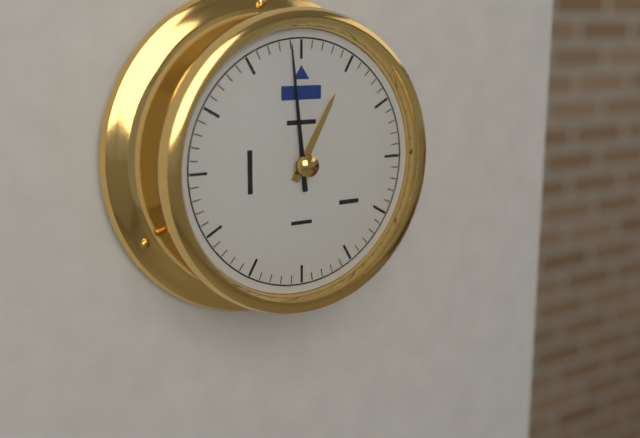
12:59
